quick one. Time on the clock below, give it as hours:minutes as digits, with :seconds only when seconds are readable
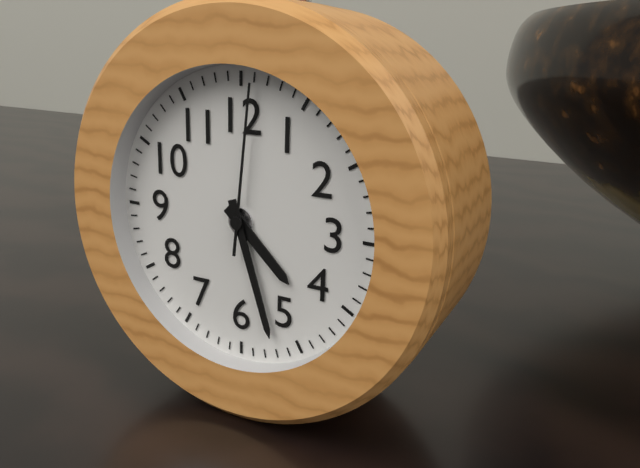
4:27:01
